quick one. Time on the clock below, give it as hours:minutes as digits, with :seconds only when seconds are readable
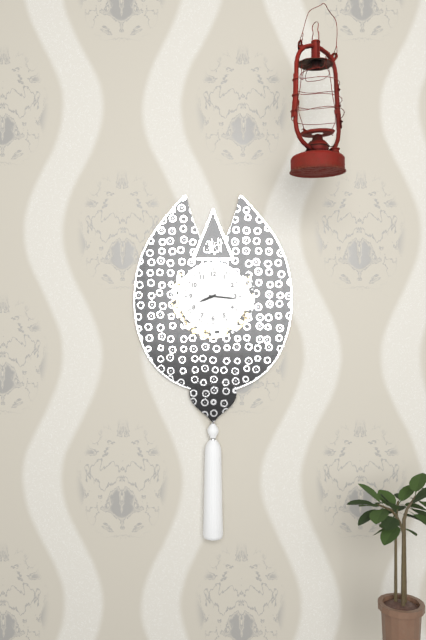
8:16
